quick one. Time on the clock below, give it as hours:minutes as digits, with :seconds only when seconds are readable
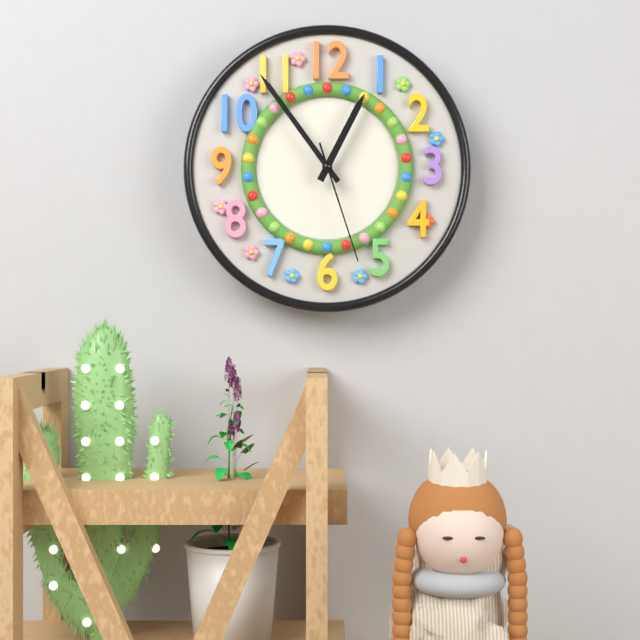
12:54:27
